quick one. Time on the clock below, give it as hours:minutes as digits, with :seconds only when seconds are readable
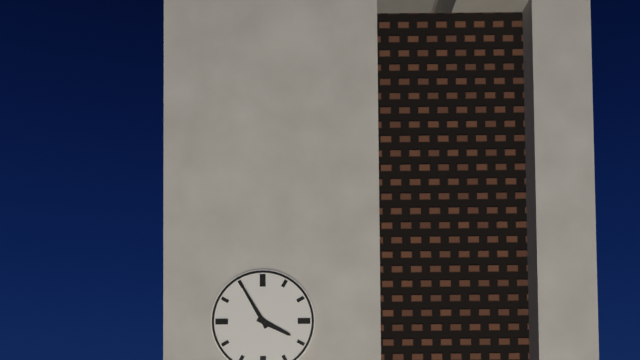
3:55
